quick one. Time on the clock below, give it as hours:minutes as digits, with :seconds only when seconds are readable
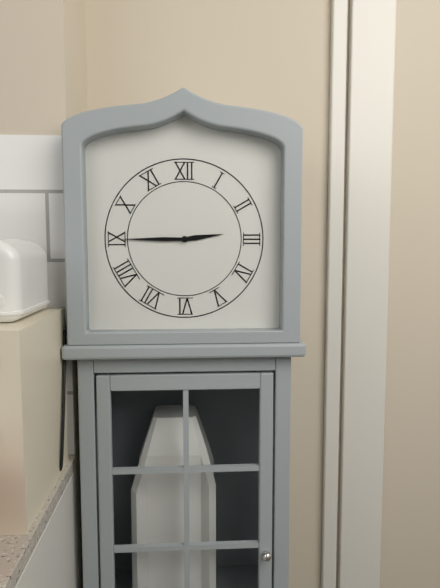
2:45
